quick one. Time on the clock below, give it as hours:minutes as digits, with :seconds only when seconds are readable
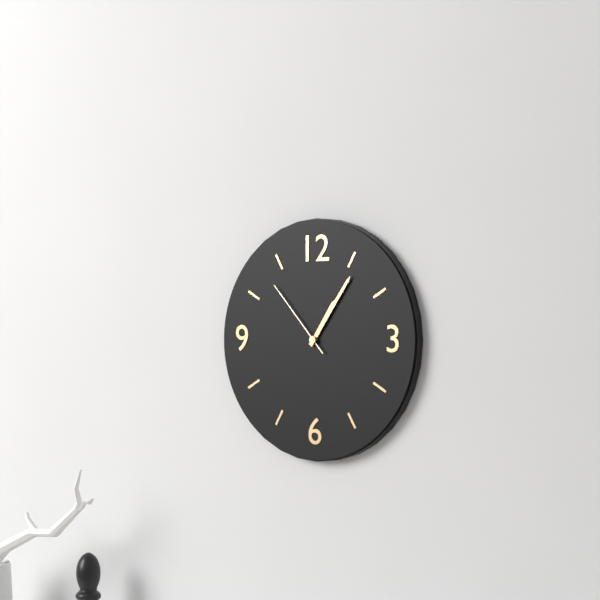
1:06:53
